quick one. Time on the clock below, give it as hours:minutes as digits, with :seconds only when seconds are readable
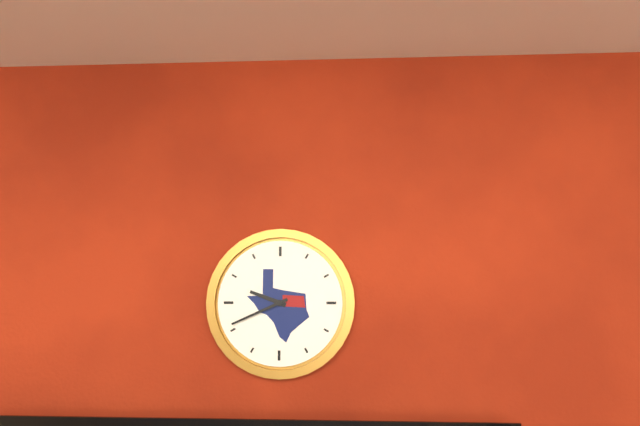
9:41
